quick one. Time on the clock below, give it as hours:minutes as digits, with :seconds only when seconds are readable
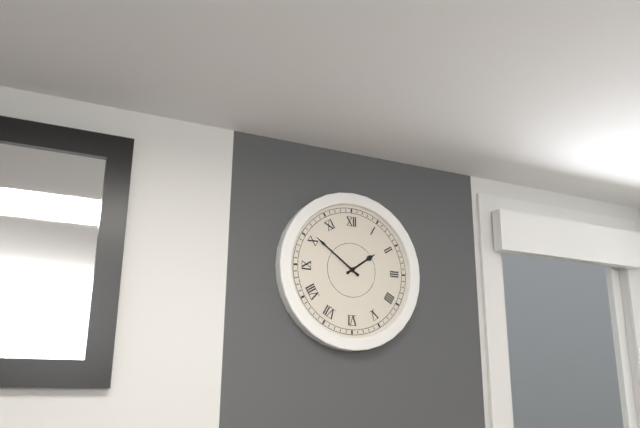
1:51
